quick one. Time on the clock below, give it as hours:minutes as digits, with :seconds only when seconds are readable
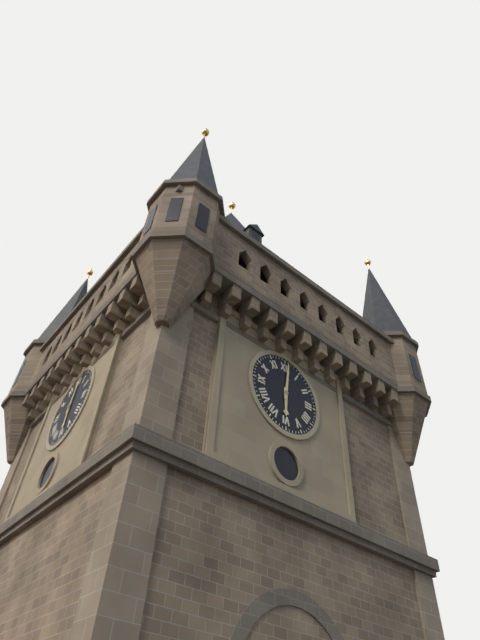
6:01
